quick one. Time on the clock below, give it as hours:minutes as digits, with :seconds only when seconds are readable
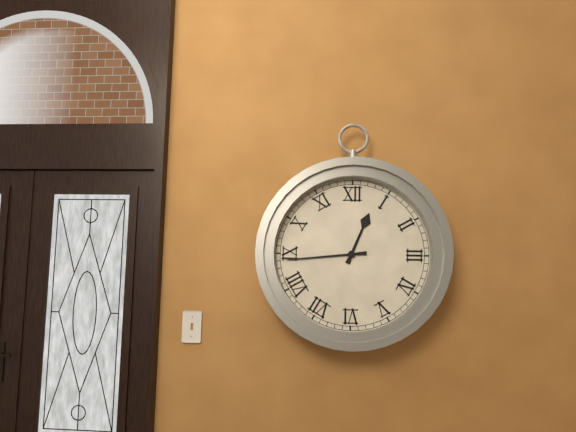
12:44
